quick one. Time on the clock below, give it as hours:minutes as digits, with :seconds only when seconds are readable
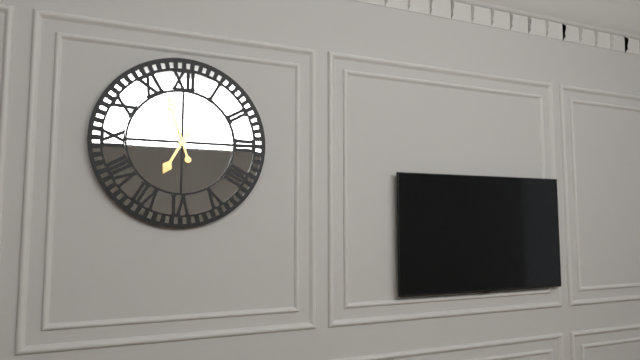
6:57
